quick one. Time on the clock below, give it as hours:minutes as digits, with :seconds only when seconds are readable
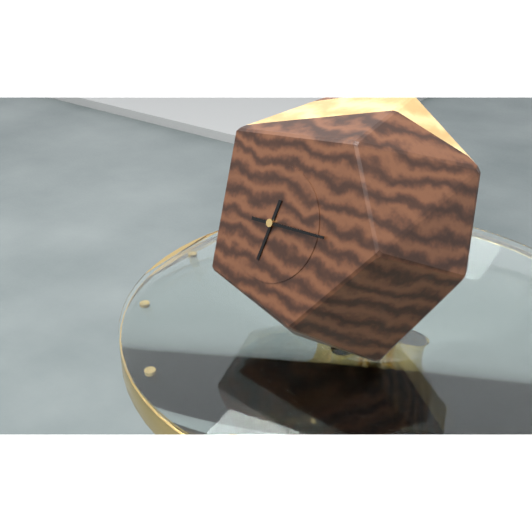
6:14
